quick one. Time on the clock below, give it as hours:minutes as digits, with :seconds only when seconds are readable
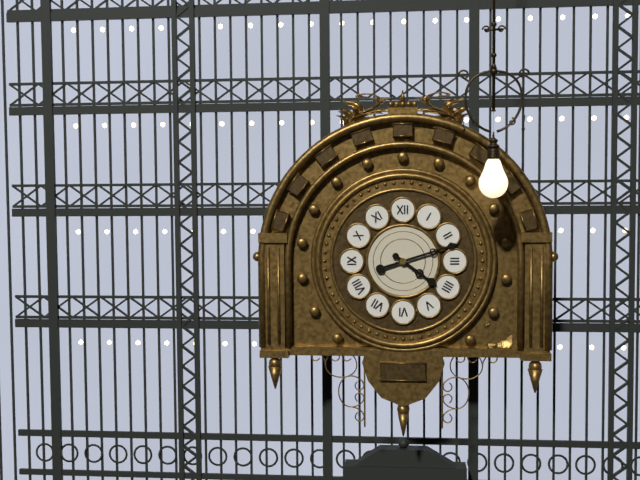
4:12
